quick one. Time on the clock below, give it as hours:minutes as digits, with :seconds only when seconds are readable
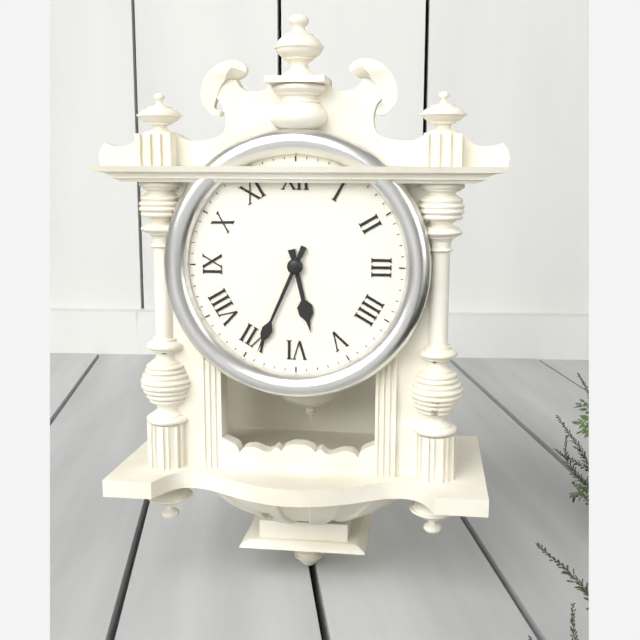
5:34
